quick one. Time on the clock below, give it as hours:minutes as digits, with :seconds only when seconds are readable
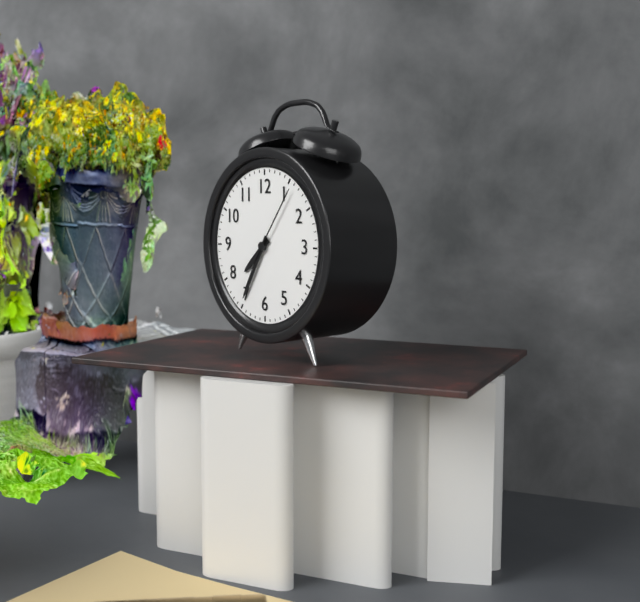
7:35:06
